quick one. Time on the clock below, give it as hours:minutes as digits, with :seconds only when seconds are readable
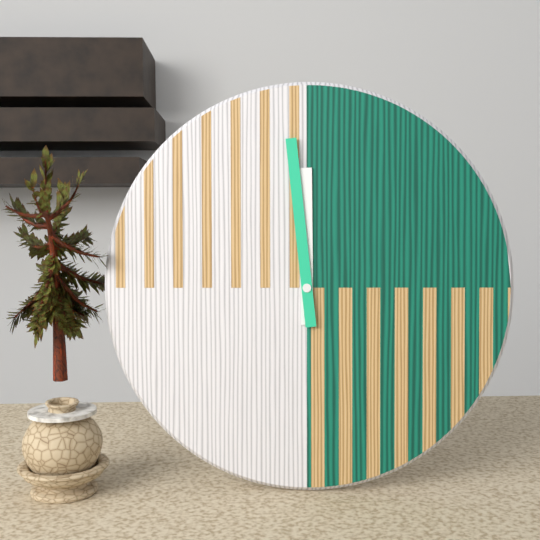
11:59
